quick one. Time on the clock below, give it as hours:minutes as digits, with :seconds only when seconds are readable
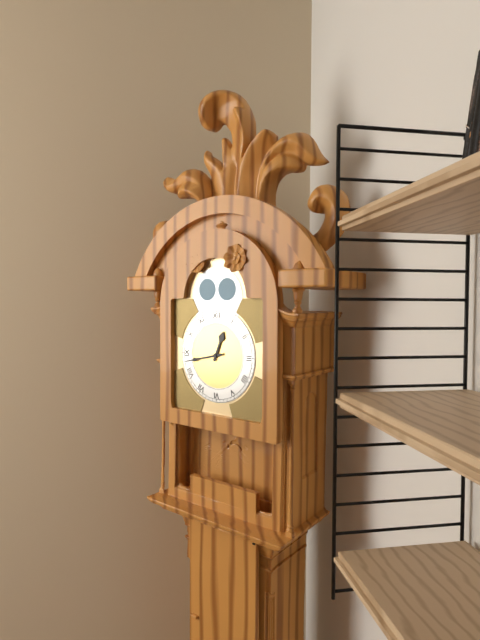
12:43
